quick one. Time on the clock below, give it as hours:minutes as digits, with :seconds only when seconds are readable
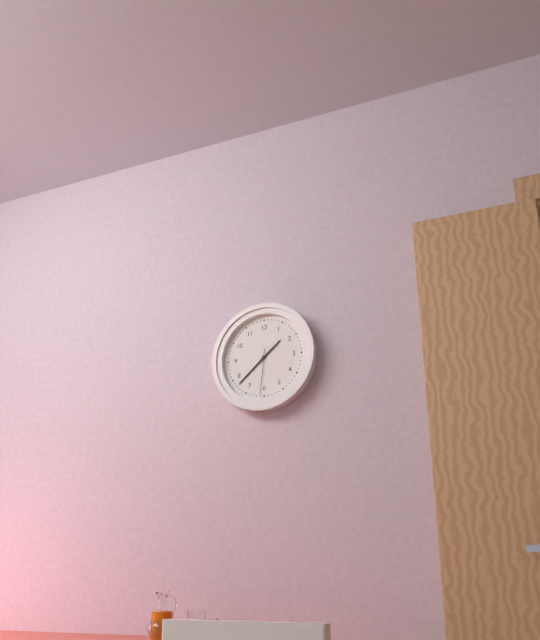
1:38
